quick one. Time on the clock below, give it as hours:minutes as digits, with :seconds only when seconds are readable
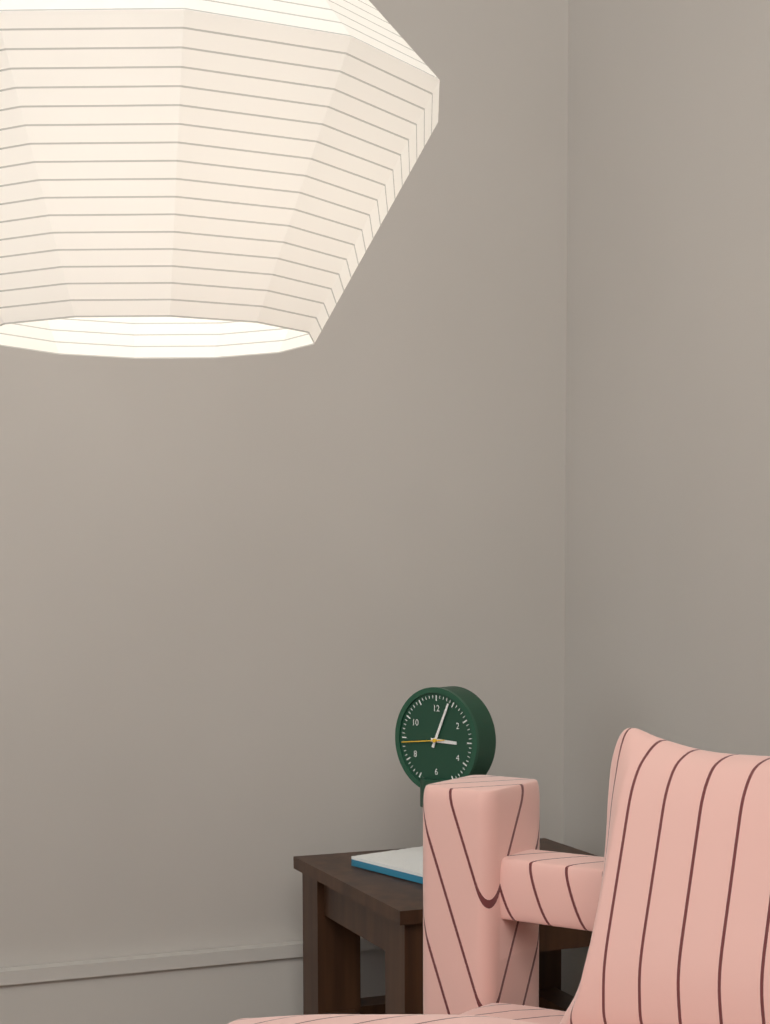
3:04
